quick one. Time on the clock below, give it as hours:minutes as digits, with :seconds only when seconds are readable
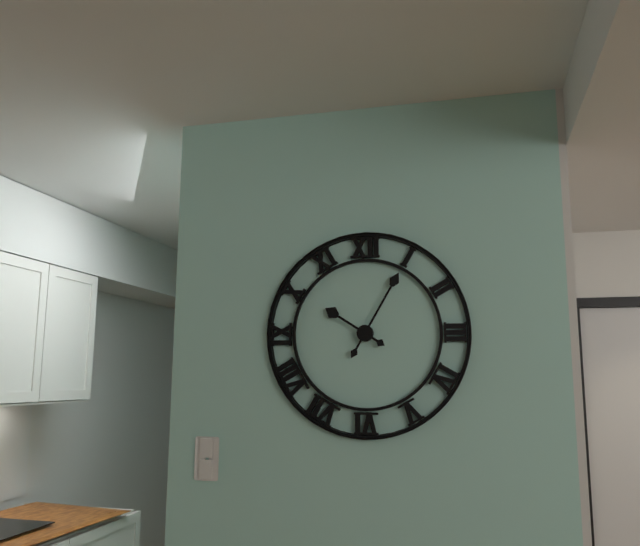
10:05
